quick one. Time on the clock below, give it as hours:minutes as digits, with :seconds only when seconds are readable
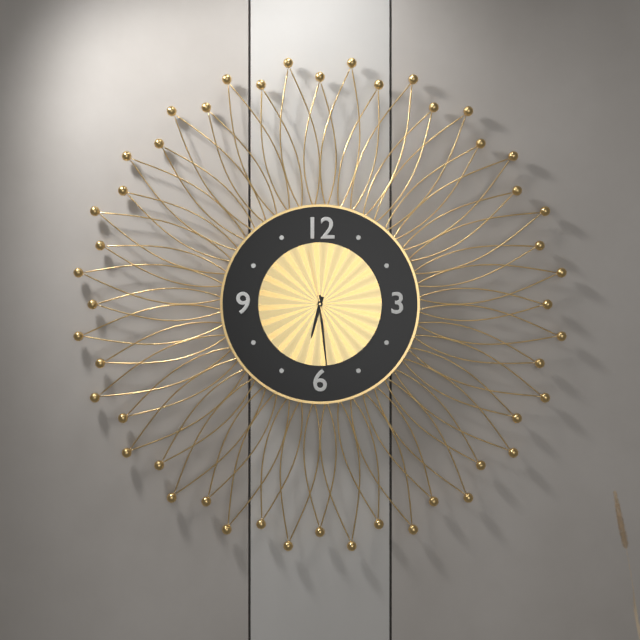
6:29:58
